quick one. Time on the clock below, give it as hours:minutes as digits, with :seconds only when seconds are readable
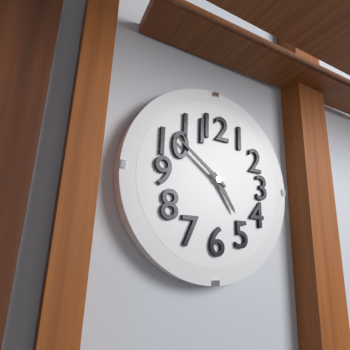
4:51
